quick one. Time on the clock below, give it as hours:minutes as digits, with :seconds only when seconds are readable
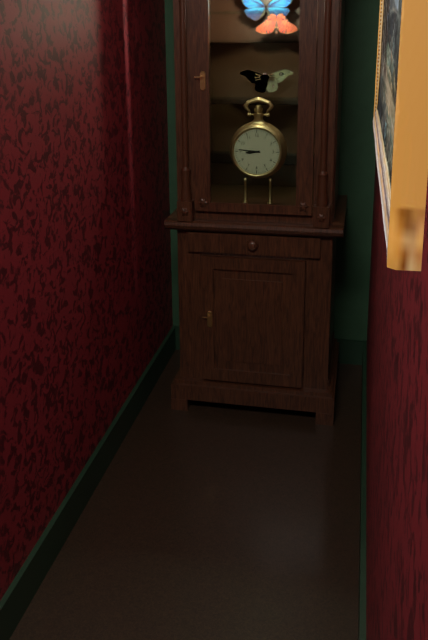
8:46
